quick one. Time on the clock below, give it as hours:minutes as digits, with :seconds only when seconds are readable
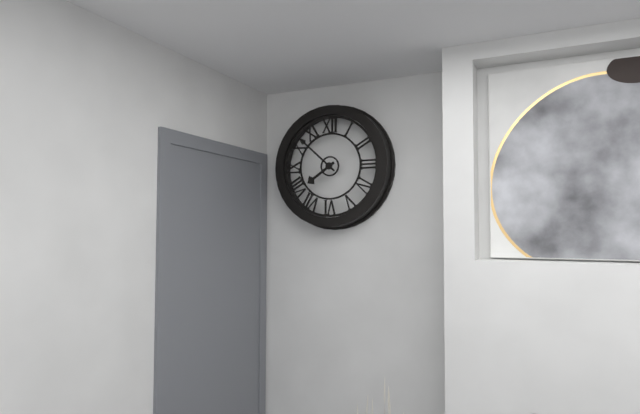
7:52
